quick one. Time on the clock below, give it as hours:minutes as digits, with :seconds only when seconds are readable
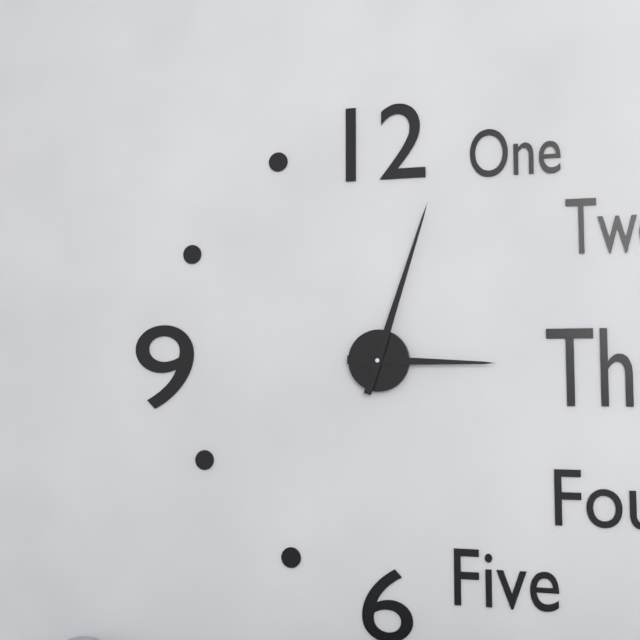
3:03
